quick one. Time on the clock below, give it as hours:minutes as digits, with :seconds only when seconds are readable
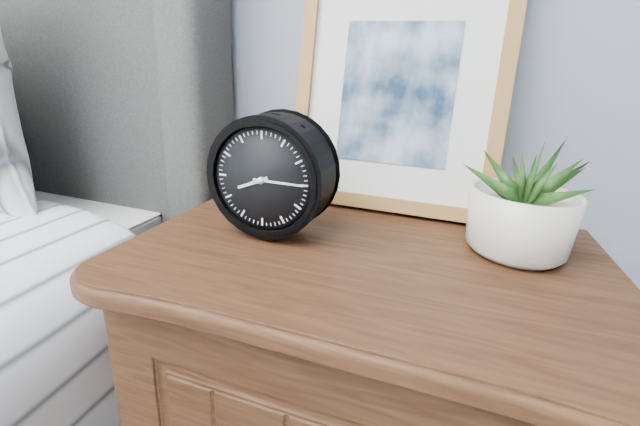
8:15
